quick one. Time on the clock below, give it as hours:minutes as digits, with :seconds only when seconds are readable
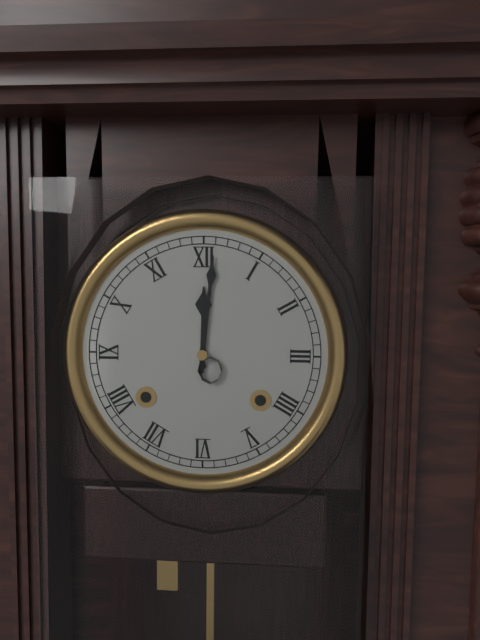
12:01
